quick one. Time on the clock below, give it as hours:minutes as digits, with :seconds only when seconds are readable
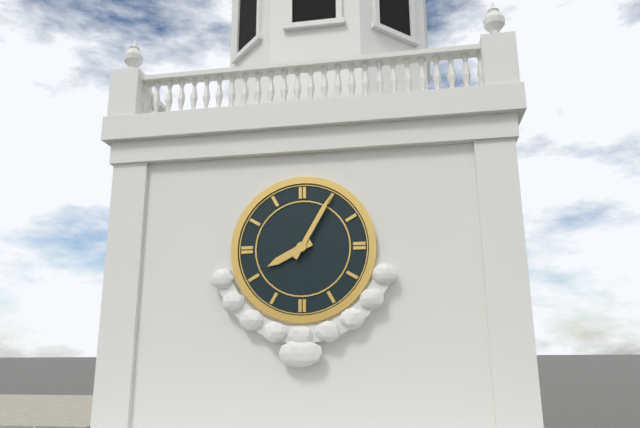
8:05
